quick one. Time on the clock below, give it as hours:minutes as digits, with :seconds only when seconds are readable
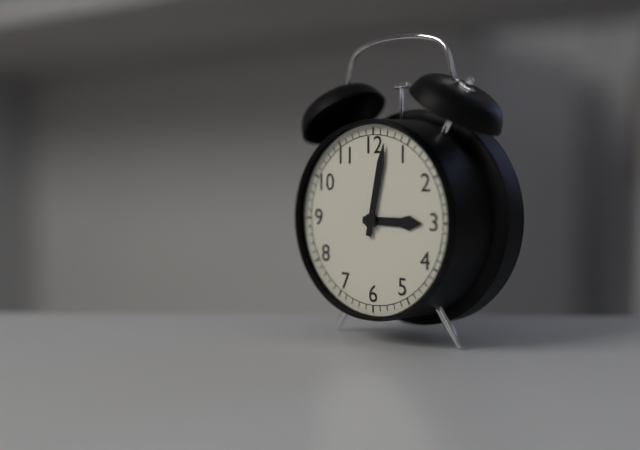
3:02
